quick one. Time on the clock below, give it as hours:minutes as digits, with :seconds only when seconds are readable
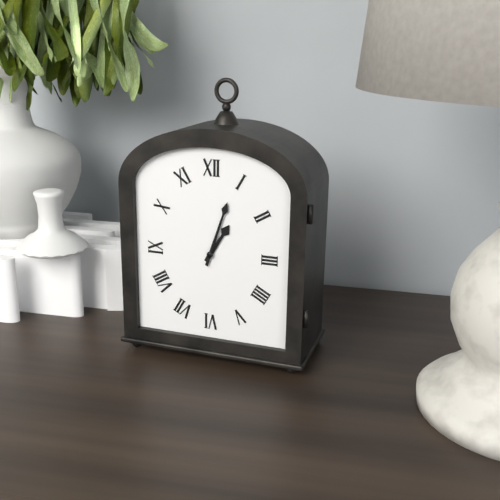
1:03
